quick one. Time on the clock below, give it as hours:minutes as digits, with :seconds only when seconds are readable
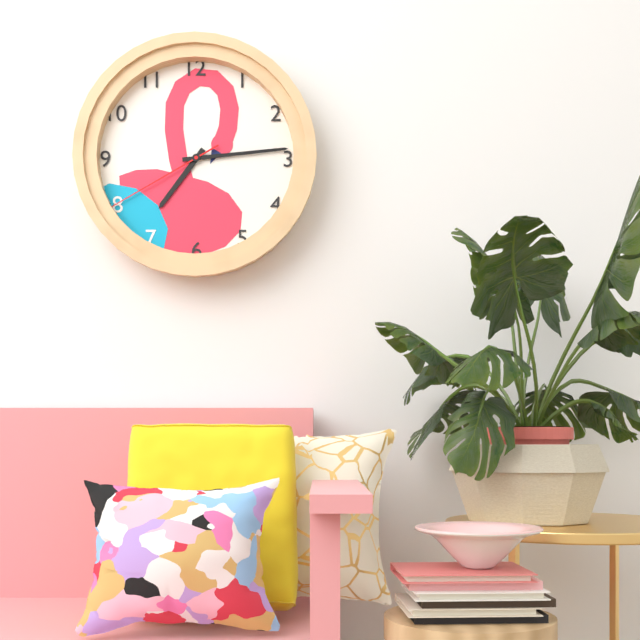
7:14:40
